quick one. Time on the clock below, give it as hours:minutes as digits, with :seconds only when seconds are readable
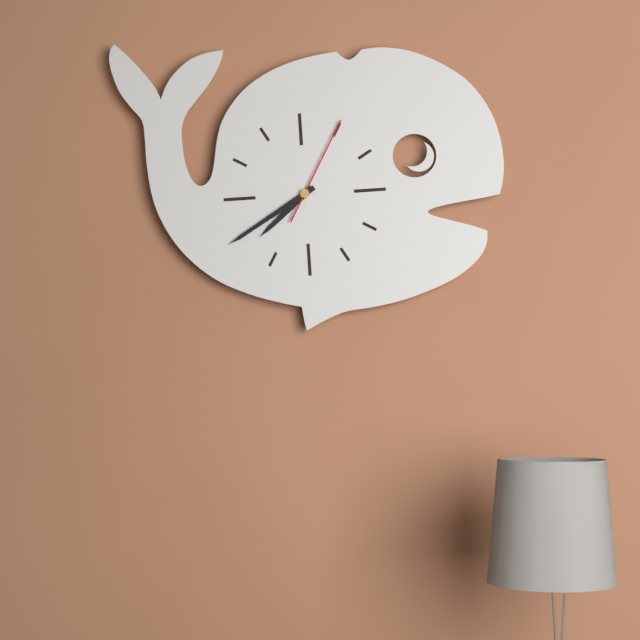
7:40:05
